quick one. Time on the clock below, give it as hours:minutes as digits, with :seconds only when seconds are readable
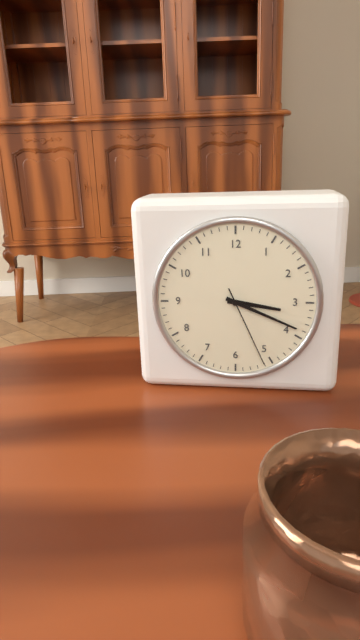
3:19:26
